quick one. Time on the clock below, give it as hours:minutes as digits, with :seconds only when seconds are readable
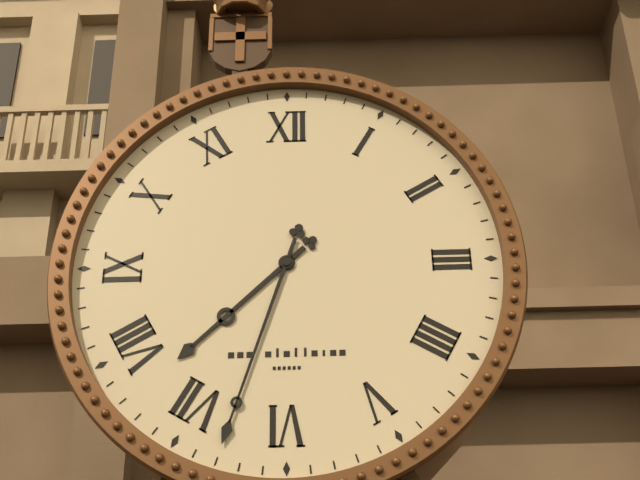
7:33
